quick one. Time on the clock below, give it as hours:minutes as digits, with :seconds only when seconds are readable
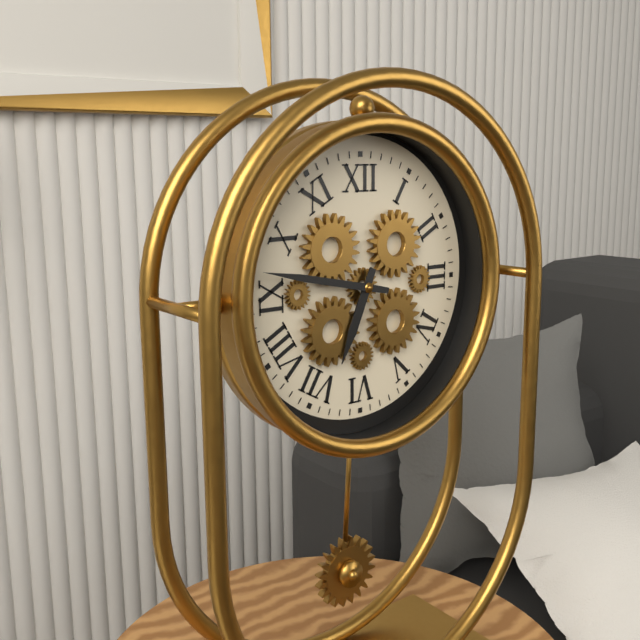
6:47
